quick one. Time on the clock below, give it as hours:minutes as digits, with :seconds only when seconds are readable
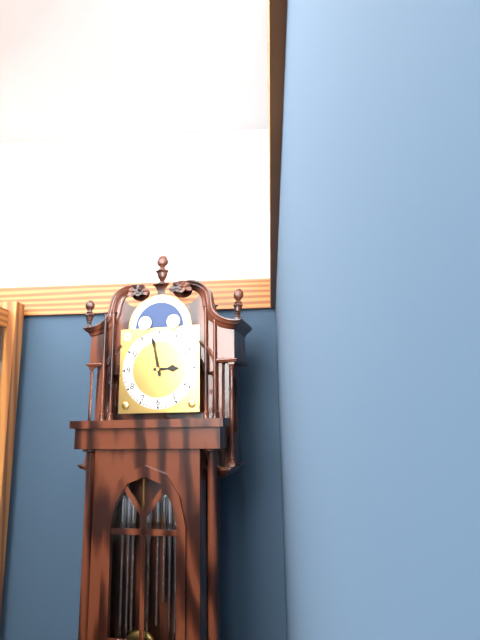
2:58
